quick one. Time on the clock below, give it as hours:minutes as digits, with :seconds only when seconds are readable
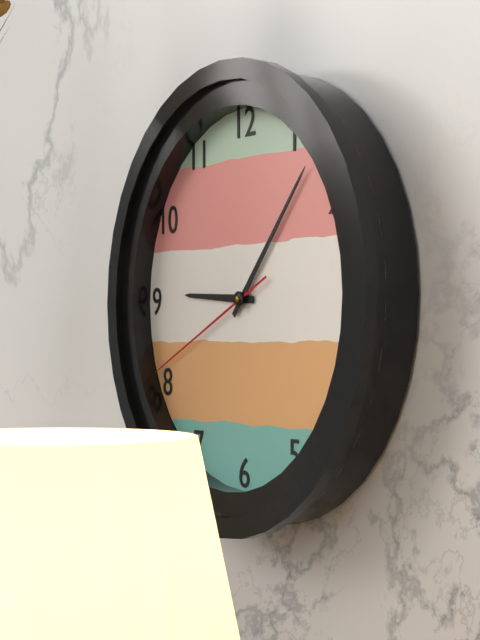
9:07:41
